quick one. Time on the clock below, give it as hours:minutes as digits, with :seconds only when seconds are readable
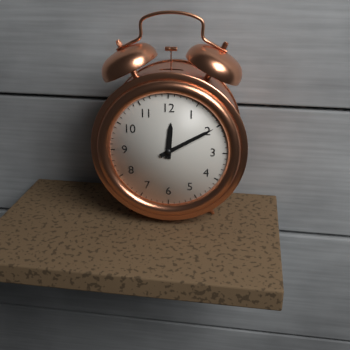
12:10
